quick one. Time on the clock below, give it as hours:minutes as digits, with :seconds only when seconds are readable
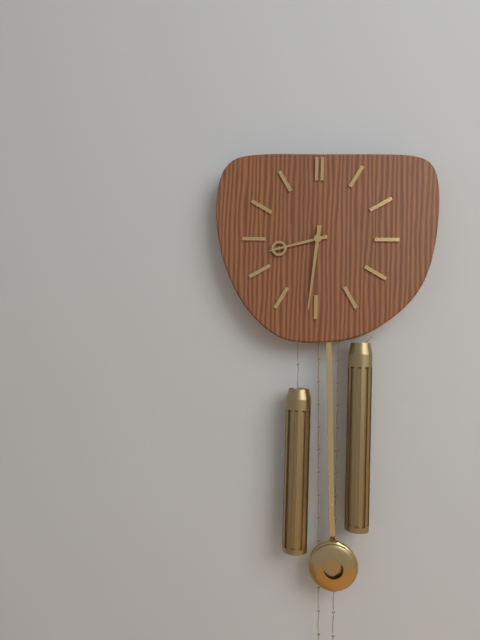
8:31
